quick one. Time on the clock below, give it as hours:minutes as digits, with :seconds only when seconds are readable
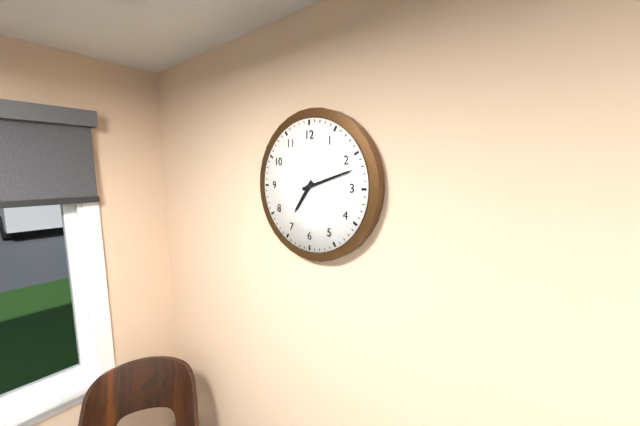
7:12
